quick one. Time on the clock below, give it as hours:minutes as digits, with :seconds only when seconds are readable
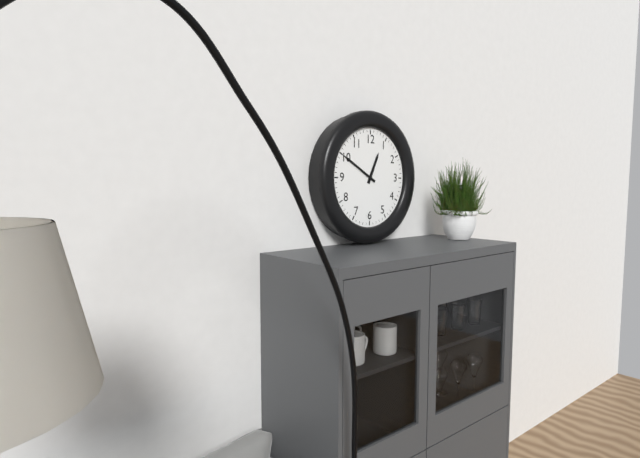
12:50
